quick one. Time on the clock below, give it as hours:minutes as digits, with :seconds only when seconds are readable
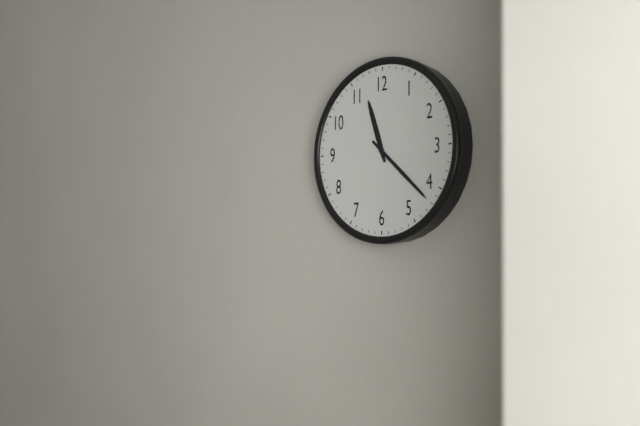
11:22
